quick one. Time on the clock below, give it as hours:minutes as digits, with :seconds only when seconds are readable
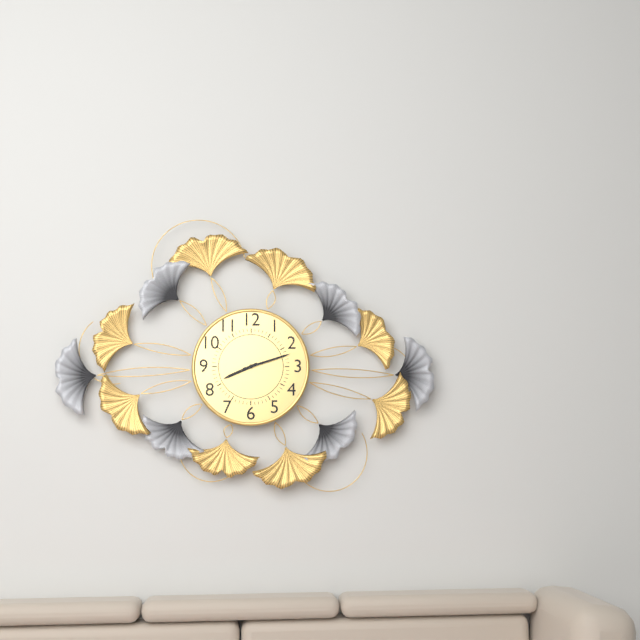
8:12
